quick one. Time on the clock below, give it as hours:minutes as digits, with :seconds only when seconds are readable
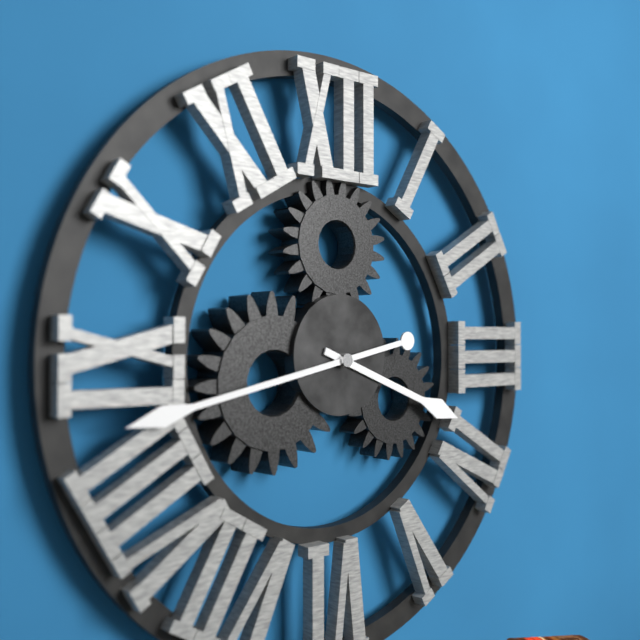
3:43
